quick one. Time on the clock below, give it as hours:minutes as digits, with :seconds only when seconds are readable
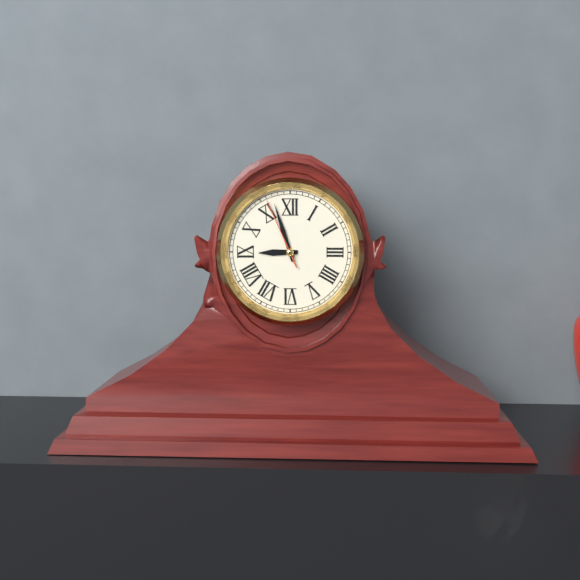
8:57:56
